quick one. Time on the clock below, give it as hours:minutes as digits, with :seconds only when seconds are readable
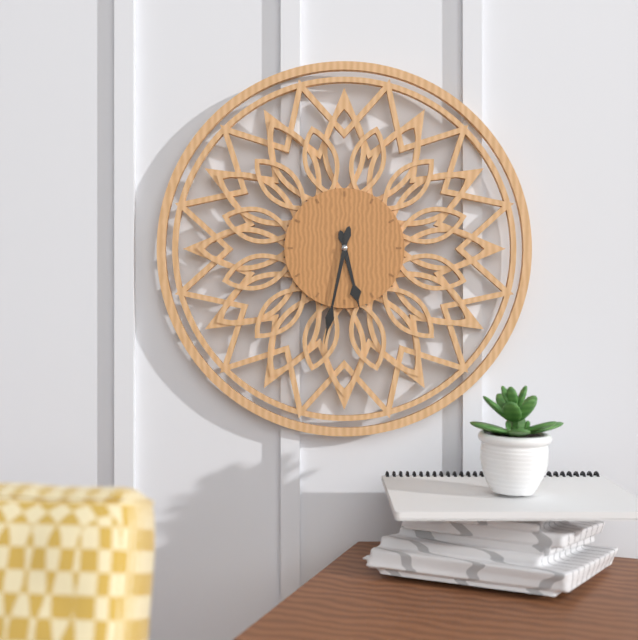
5:32
